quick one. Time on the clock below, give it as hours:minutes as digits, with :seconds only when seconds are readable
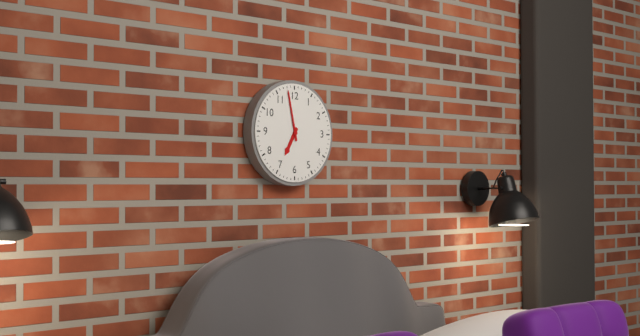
6:58
